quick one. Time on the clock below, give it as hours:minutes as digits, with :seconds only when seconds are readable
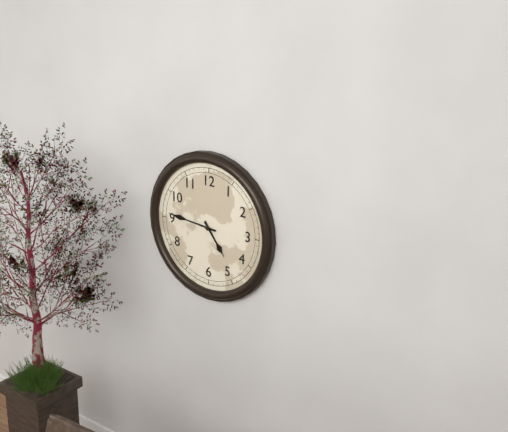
4:46
